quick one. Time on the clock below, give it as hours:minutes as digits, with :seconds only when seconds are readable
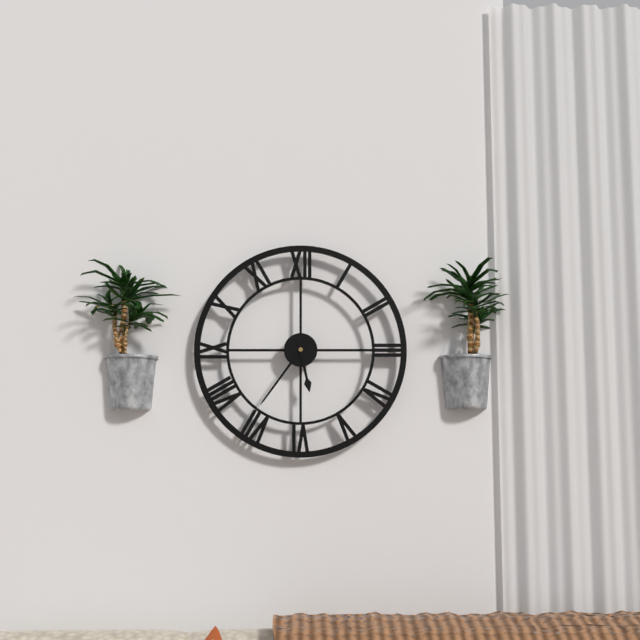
5:36
